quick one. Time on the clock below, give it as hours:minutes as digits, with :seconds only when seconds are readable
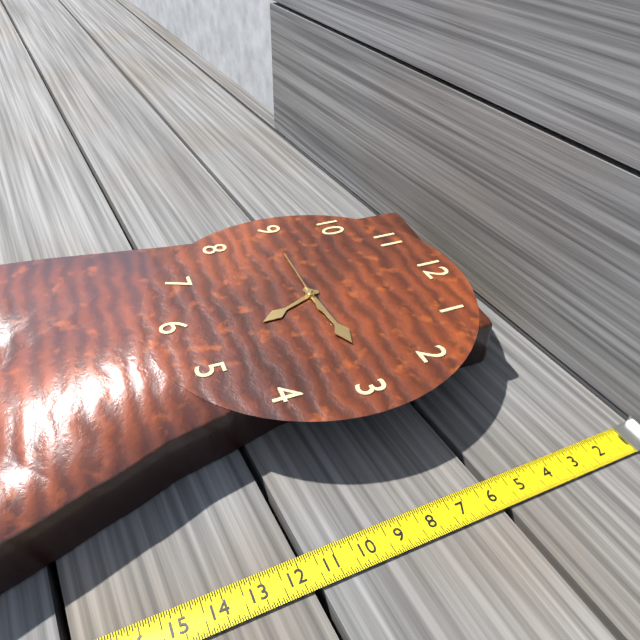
5:14:45
